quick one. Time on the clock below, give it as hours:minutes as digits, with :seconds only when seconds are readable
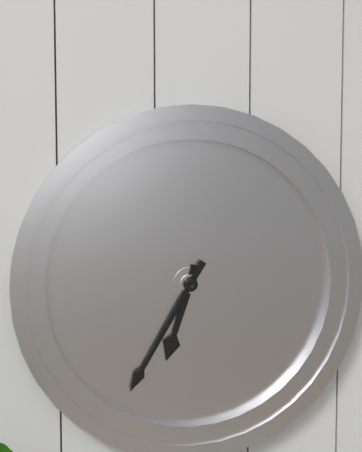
6:35
